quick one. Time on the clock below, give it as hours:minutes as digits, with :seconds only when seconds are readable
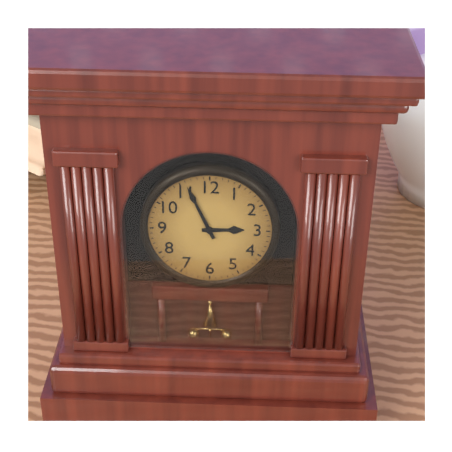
2:56
